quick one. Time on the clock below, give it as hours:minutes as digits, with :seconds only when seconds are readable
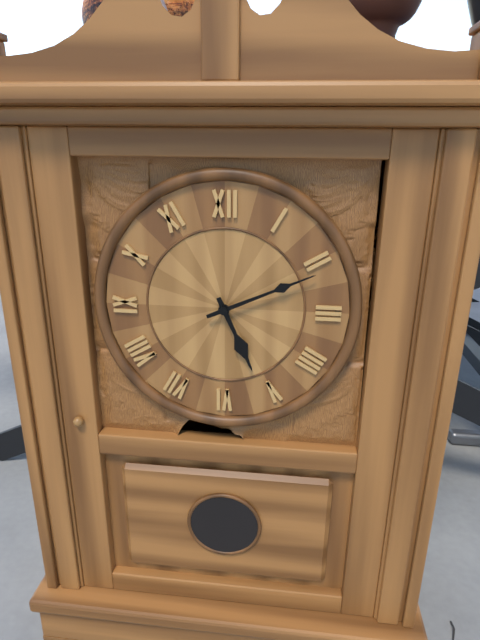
5:11
